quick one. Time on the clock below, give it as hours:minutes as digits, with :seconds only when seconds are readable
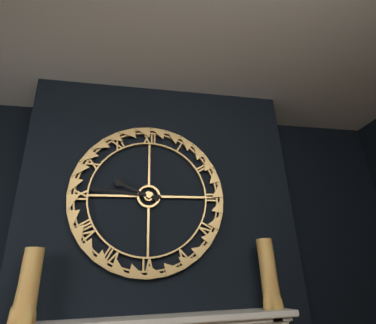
9:46
